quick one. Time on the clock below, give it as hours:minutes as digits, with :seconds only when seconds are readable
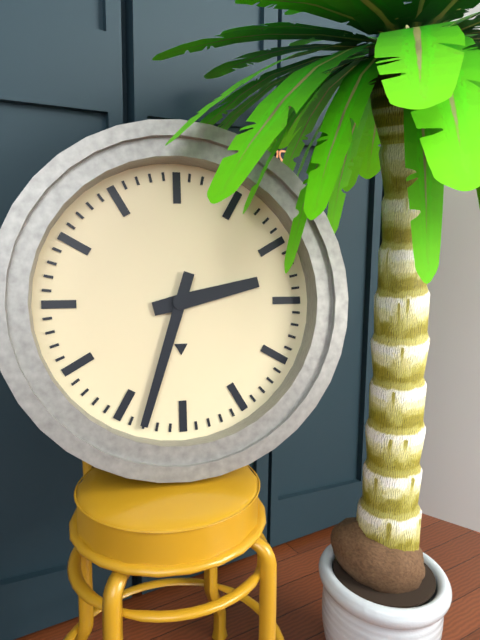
2:33
